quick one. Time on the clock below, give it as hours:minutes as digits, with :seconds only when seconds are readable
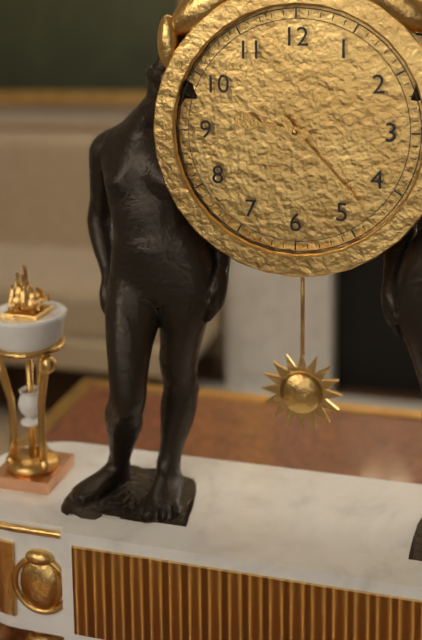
9:23
